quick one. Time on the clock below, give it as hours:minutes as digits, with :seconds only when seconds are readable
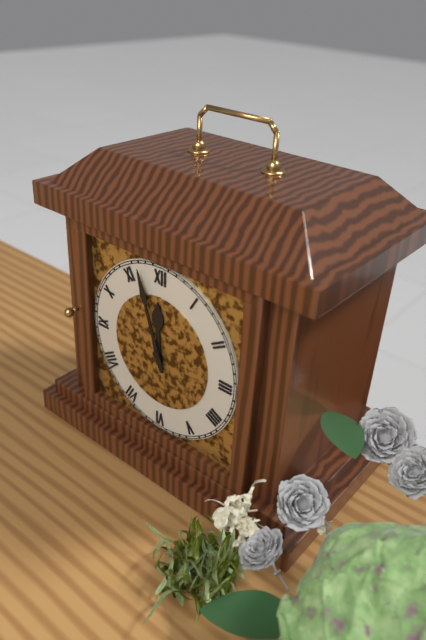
11:57
